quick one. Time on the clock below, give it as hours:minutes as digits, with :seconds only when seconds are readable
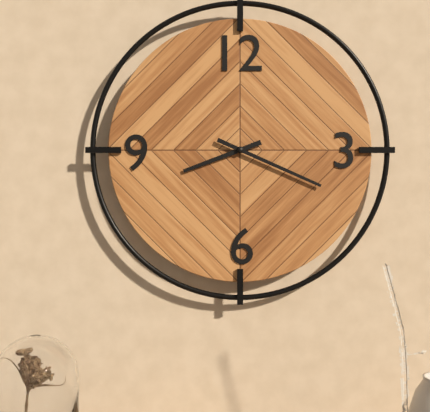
8:19
